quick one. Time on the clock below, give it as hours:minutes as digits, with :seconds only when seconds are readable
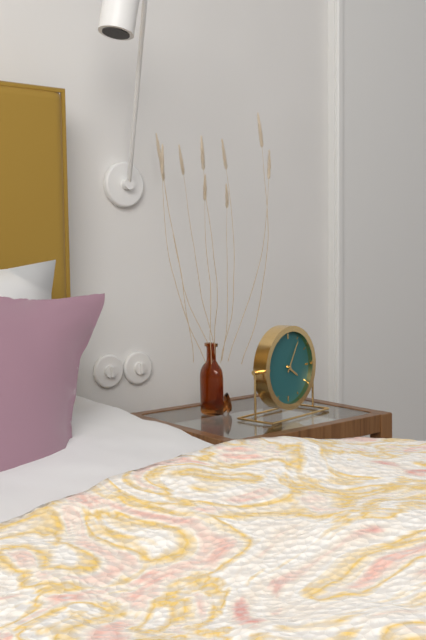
4:05
